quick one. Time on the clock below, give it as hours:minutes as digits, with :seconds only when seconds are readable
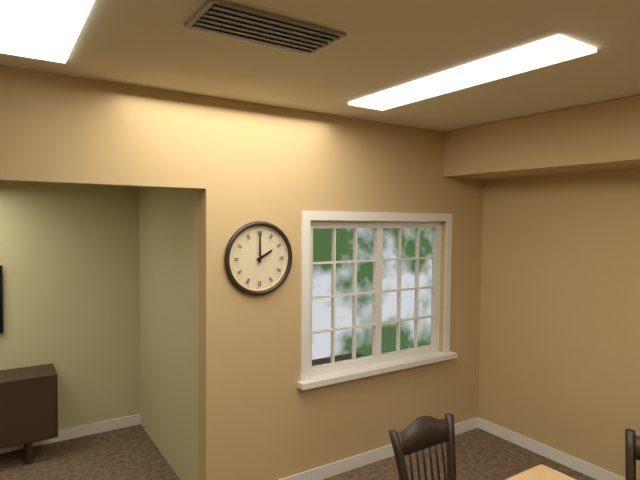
2:00
